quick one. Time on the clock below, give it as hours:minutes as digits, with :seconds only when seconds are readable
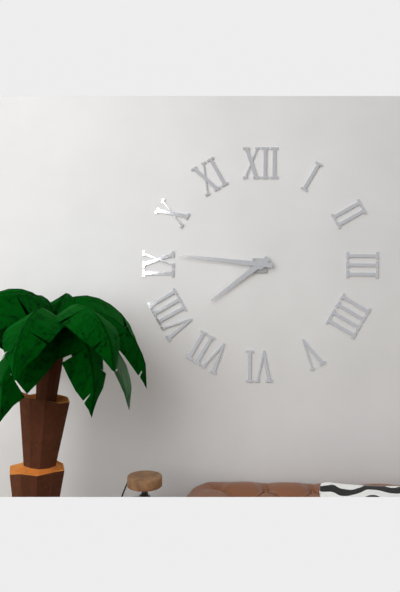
7:46
